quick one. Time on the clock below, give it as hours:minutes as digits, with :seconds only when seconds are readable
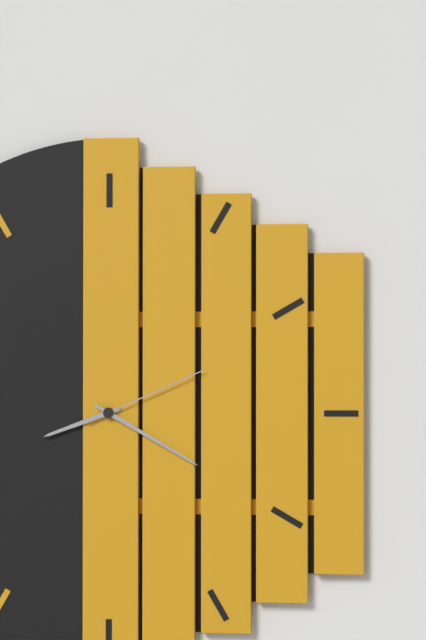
8:20:11
